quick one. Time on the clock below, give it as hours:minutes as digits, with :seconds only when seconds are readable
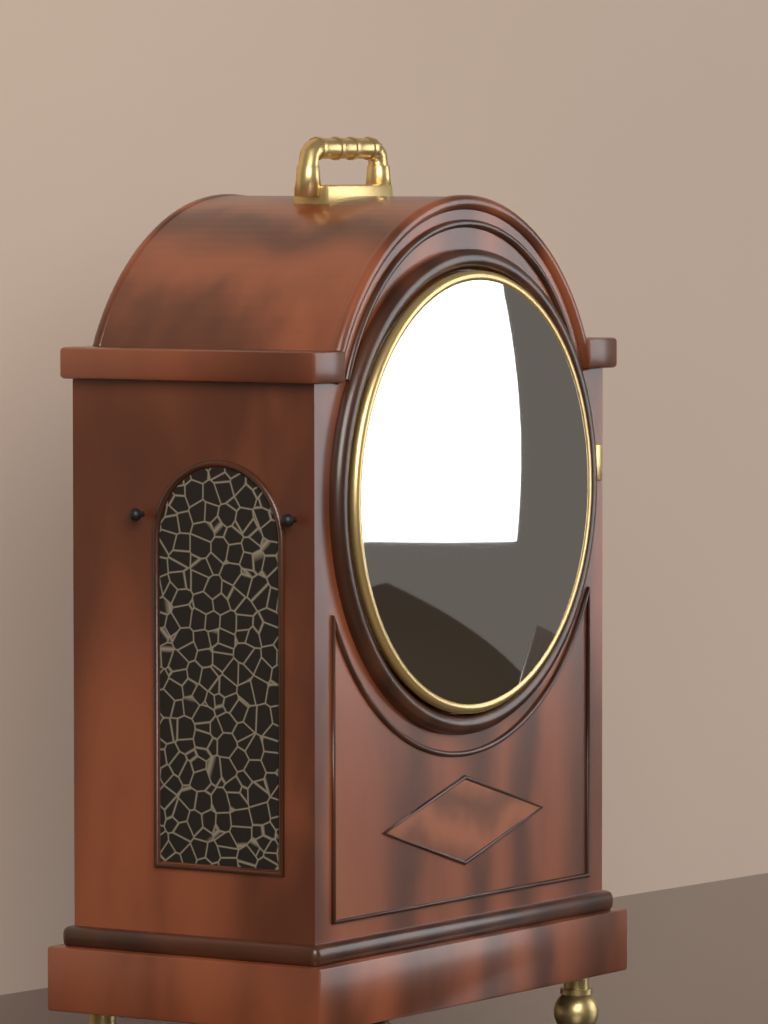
11:16
